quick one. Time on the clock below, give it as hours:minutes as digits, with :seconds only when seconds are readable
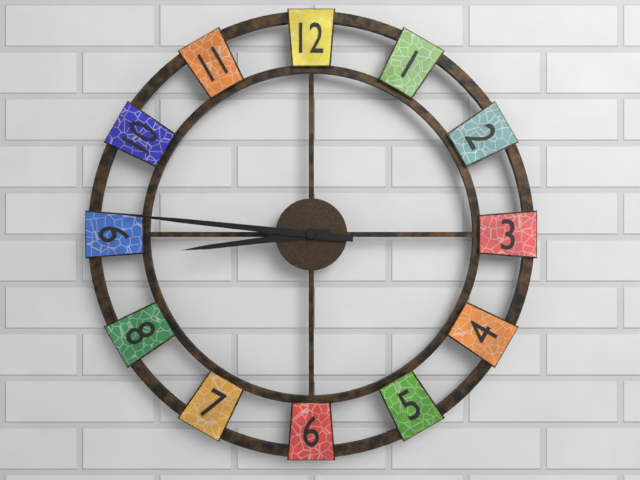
8:46
